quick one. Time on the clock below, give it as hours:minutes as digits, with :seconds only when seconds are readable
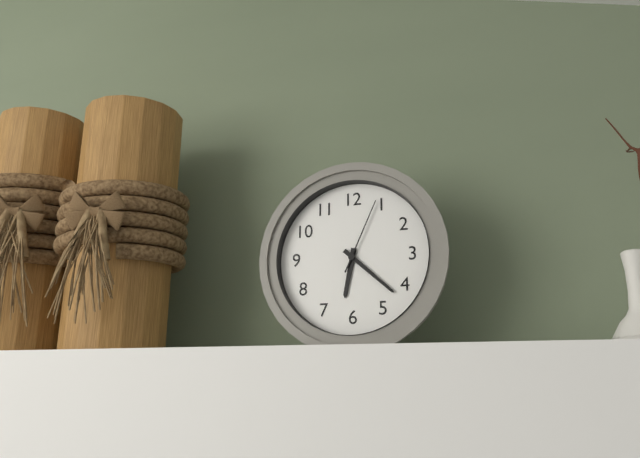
6:22:04
